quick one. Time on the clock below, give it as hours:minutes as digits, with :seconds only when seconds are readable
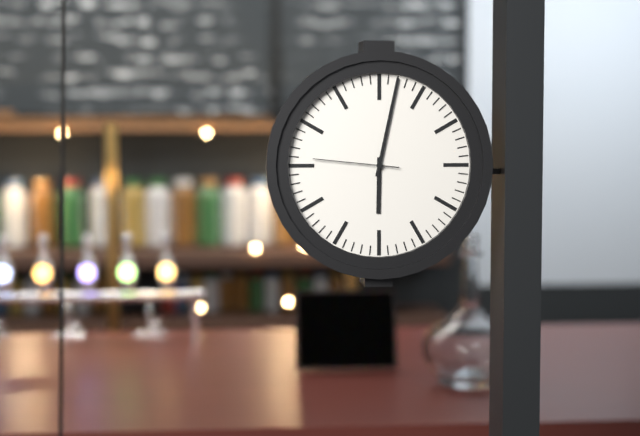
6:02:46
